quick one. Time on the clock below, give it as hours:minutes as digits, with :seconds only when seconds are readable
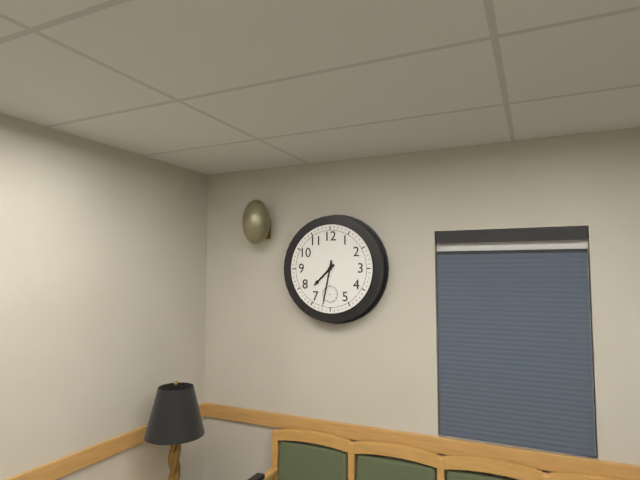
7:32
